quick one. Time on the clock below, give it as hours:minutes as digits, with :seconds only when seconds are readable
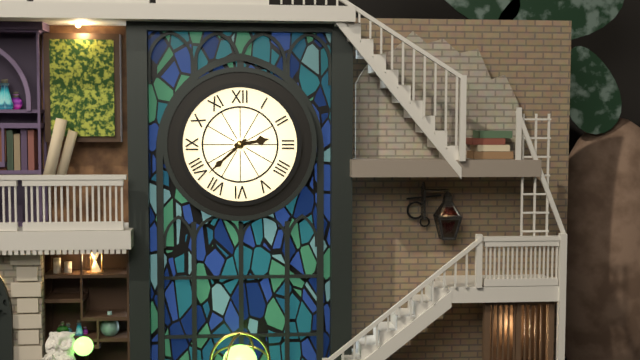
2:38
